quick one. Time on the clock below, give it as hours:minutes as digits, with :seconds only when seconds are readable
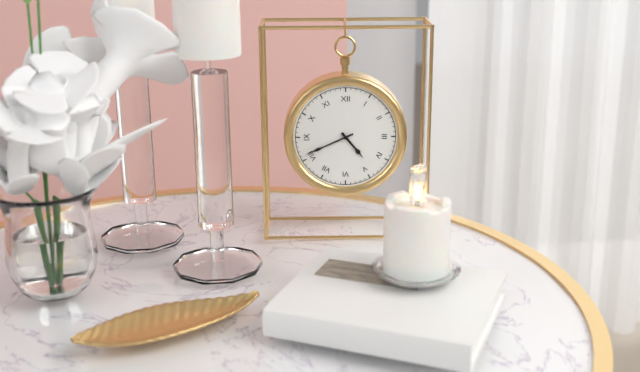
4:41
